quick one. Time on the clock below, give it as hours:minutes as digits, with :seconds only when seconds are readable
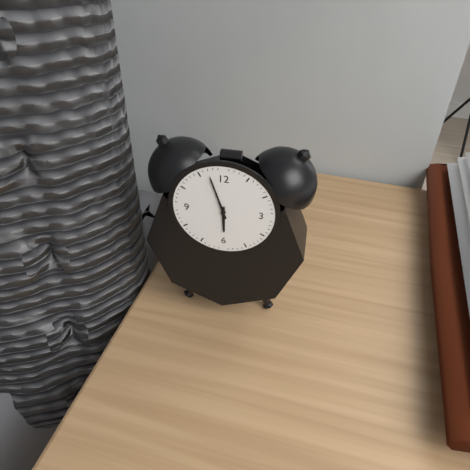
5:57
